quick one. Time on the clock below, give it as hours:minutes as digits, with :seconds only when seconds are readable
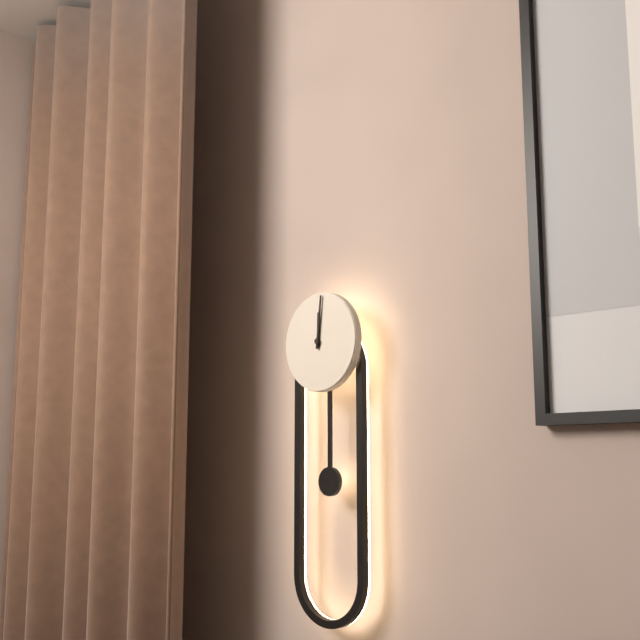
12:01
